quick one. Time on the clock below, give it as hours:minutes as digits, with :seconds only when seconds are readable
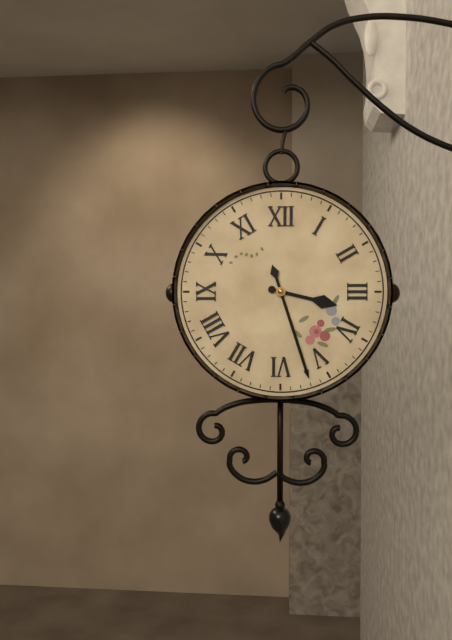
3:27
